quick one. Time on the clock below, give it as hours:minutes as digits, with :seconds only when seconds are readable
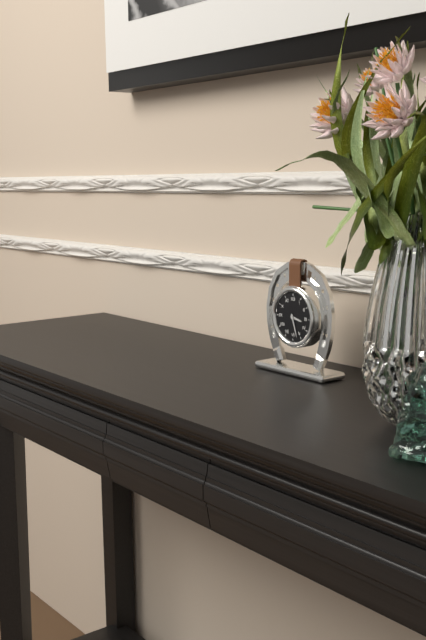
3:27
